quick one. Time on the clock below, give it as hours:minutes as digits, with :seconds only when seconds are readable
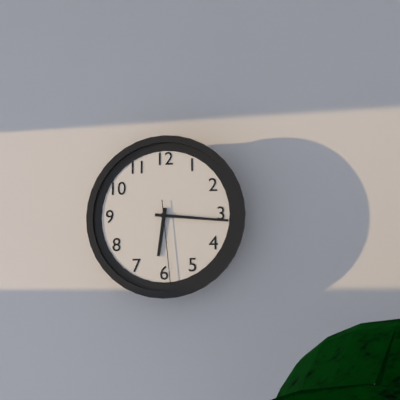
6:16:29
